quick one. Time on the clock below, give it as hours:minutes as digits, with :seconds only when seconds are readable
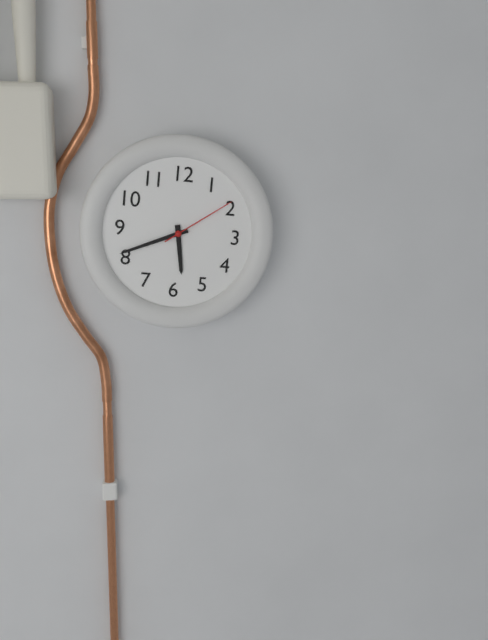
5:41:09
